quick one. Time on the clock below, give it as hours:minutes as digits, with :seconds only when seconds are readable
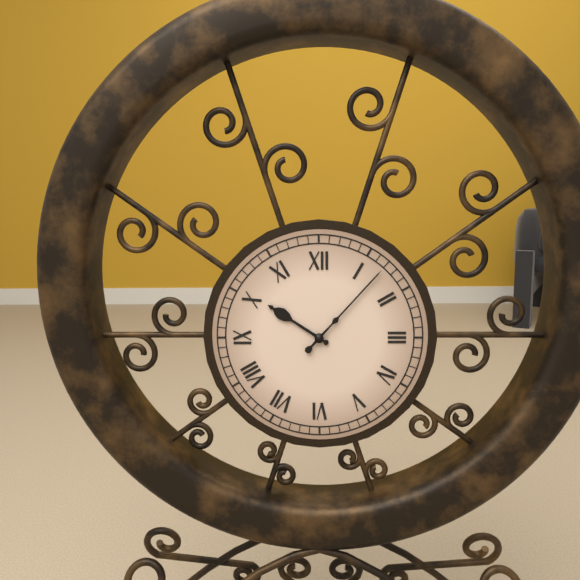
10:07
